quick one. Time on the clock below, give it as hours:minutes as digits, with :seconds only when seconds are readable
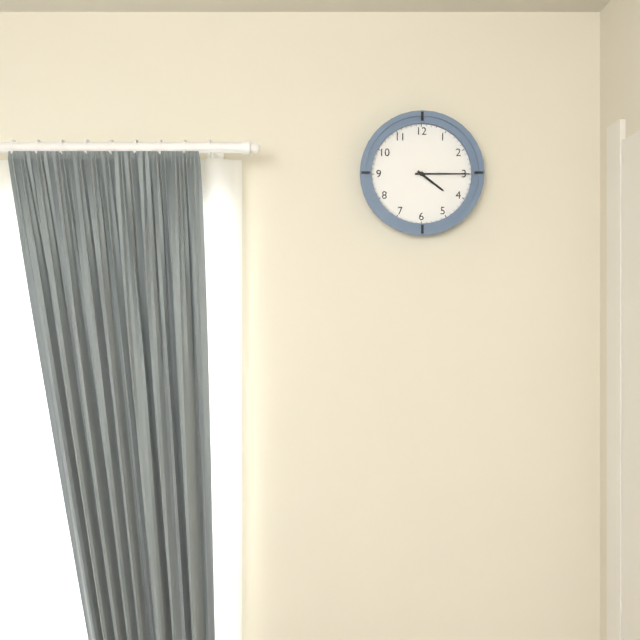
4:15
